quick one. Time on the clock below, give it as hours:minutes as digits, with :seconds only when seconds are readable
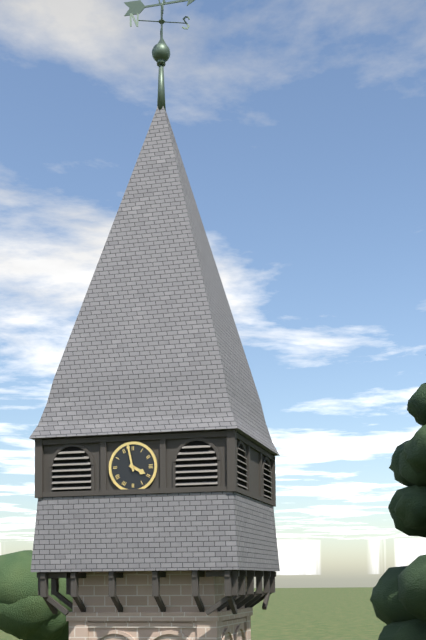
3:58
